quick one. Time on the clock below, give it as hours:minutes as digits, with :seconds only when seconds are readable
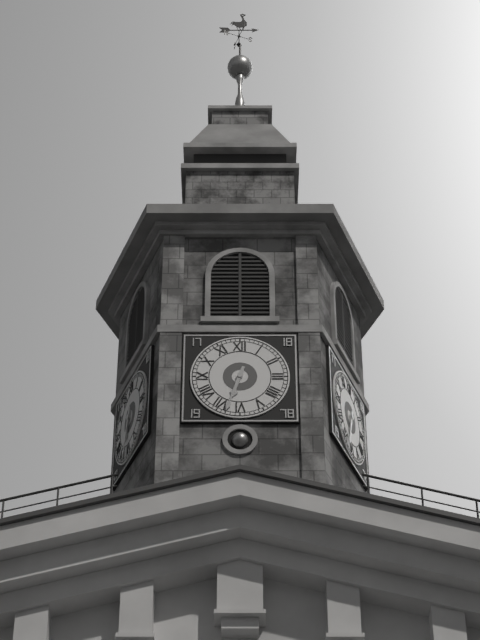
6:33
